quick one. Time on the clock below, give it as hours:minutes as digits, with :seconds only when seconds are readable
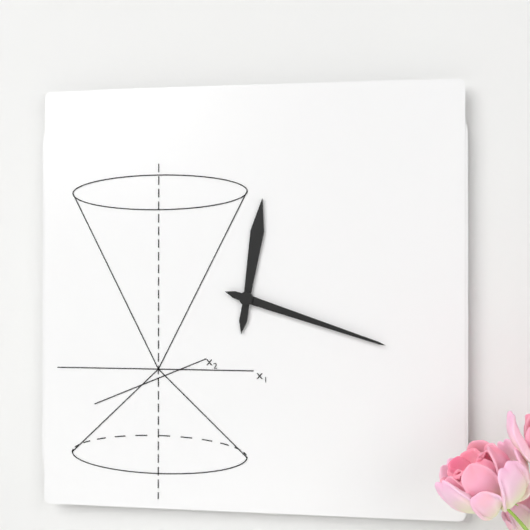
12:18
